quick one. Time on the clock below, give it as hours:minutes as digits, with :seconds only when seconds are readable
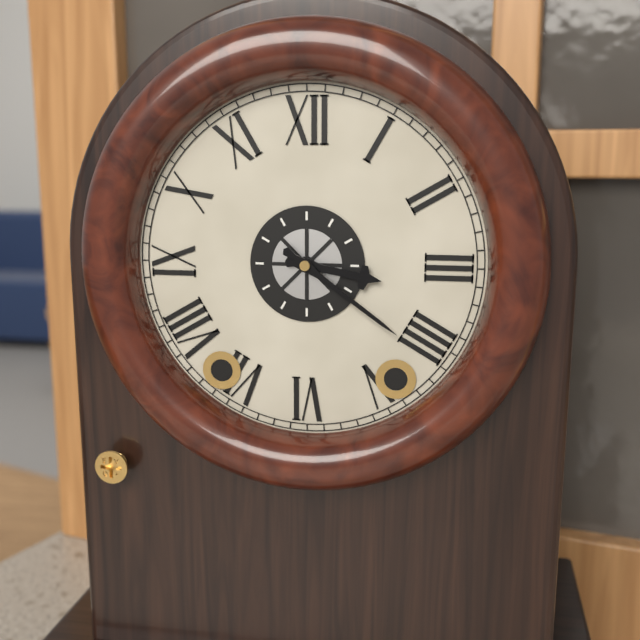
3:21
